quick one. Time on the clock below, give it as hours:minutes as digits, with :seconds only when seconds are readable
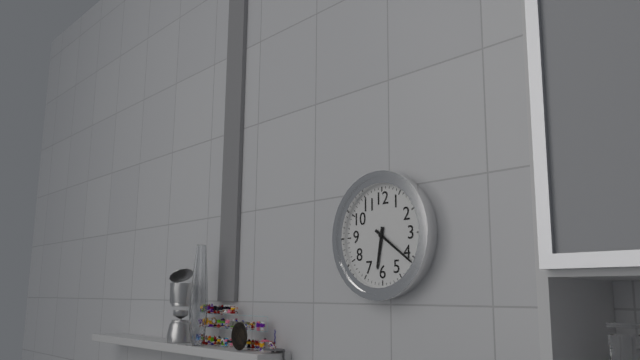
6:21
